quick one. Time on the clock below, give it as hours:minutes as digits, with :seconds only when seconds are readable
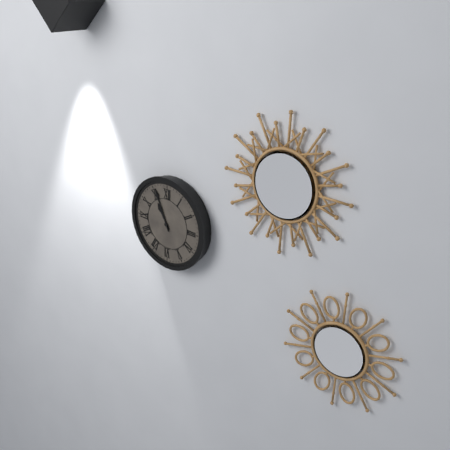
10:56
